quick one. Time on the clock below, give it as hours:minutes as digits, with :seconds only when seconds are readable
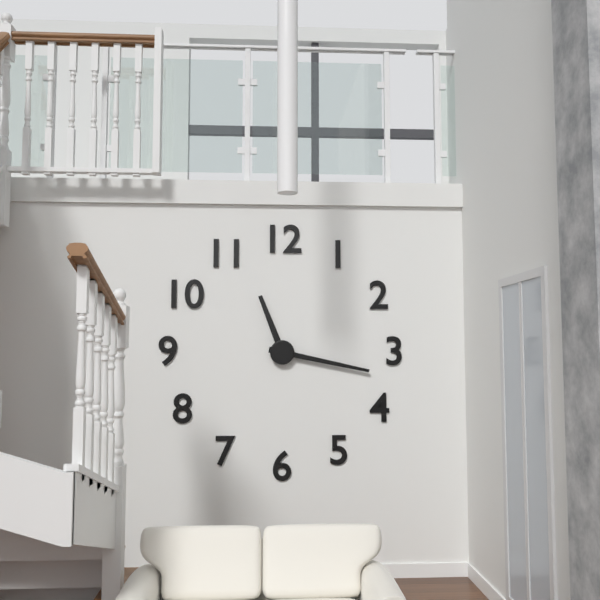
11:17
